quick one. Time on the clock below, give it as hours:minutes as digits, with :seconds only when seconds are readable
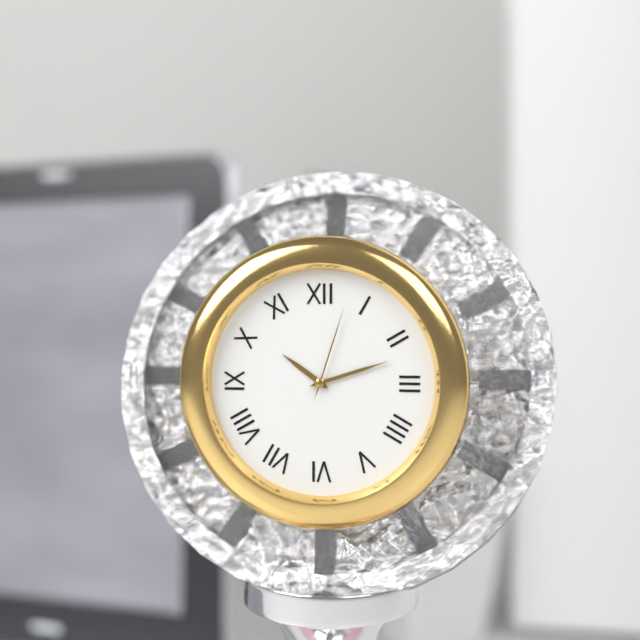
10:12:03
